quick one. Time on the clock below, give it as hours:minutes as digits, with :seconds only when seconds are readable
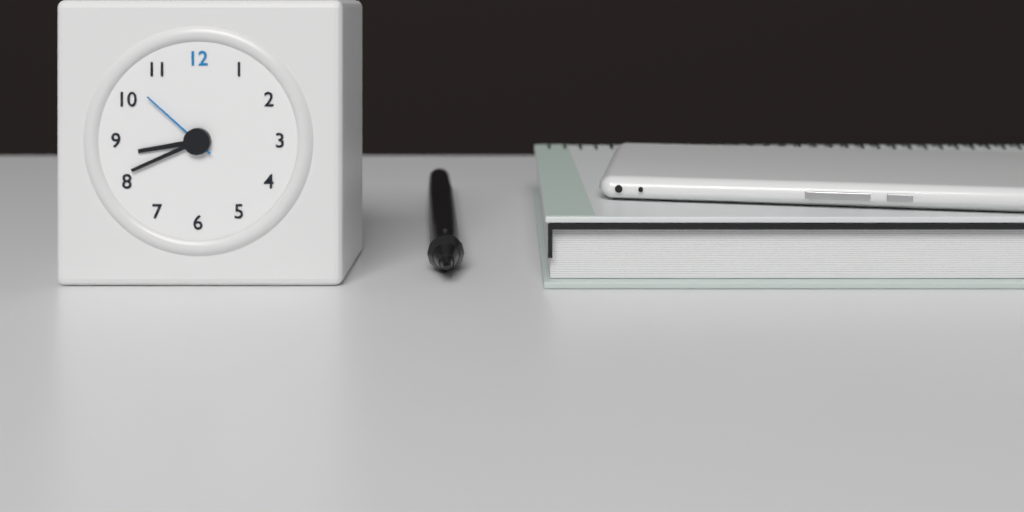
8:41:52
